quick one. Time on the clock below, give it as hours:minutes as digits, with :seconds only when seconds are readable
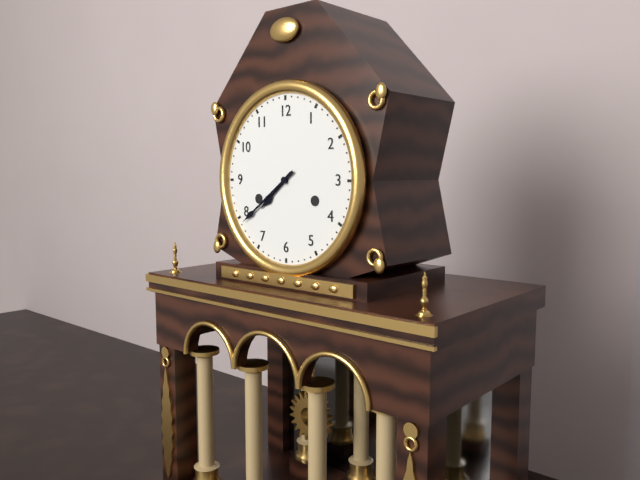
7:39
